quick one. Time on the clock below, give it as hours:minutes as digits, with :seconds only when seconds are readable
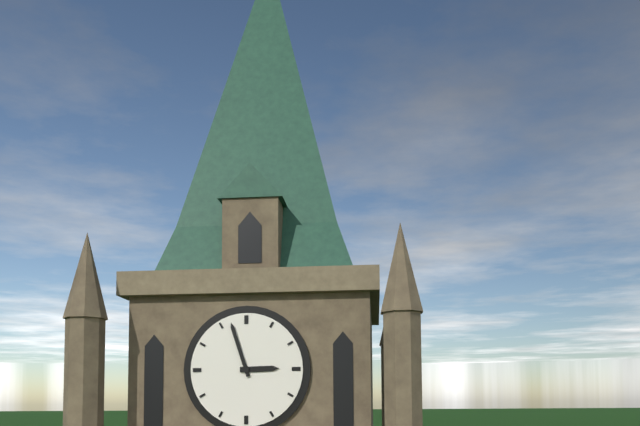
2:57
